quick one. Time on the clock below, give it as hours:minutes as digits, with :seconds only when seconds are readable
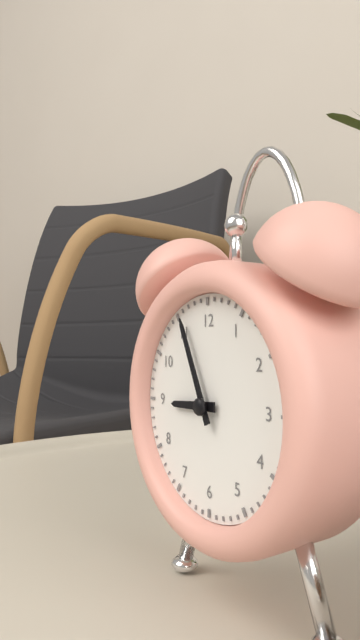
8:56
